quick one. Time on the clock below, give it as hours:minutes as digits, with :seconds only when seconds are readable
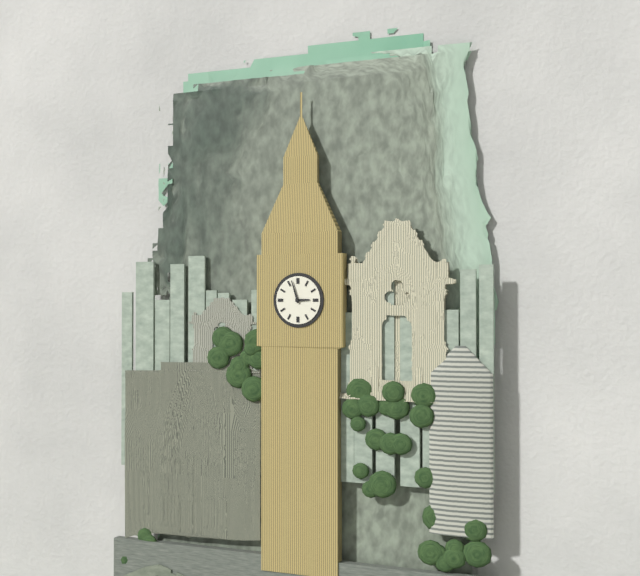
2:57
